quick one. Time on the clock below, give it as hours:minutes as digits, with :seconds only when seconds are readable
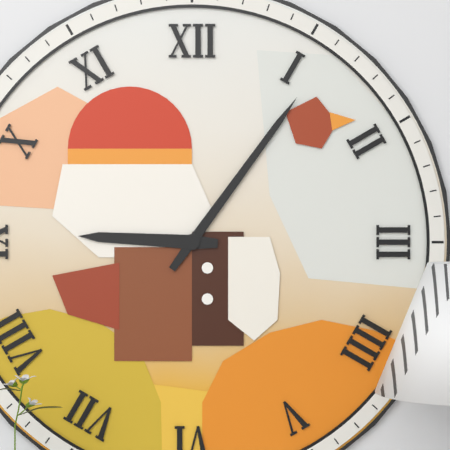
9:06
